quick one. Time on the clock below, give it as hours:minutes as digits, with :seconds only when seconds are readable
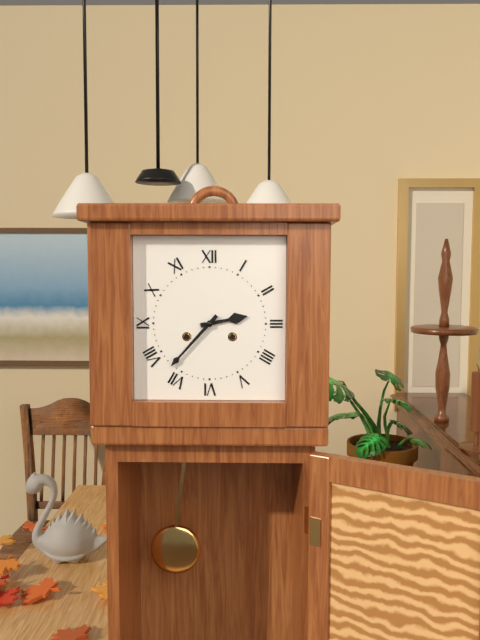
2:37
